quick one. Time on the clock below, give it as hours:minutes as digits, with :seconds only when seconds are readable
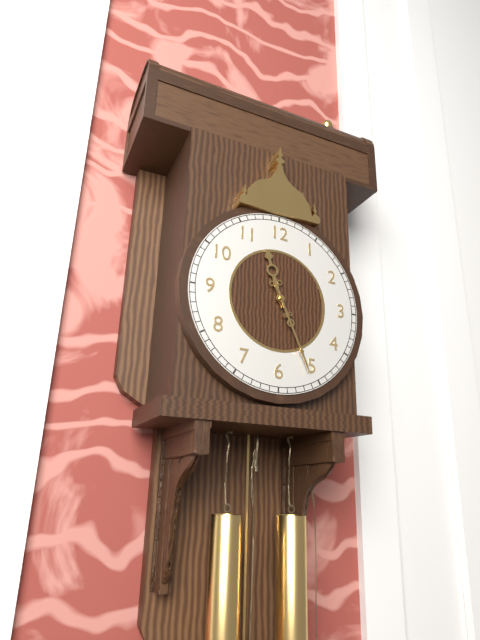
11:26
